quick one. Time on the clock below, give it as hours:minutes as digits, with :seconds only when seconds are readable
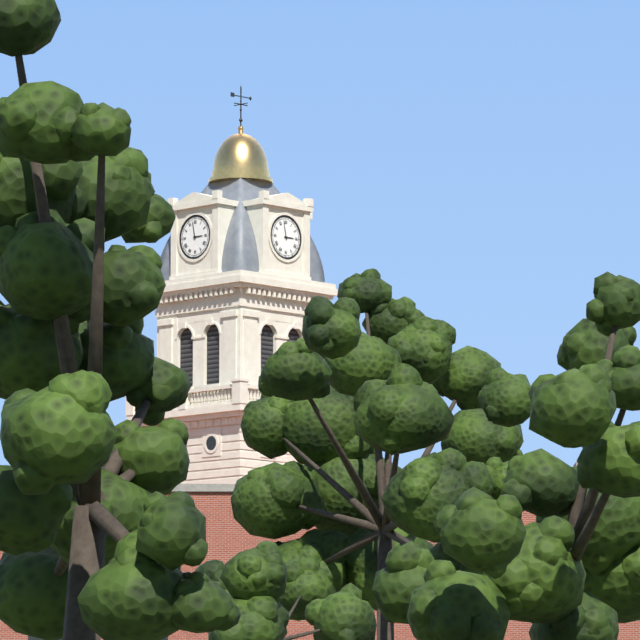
2:58
